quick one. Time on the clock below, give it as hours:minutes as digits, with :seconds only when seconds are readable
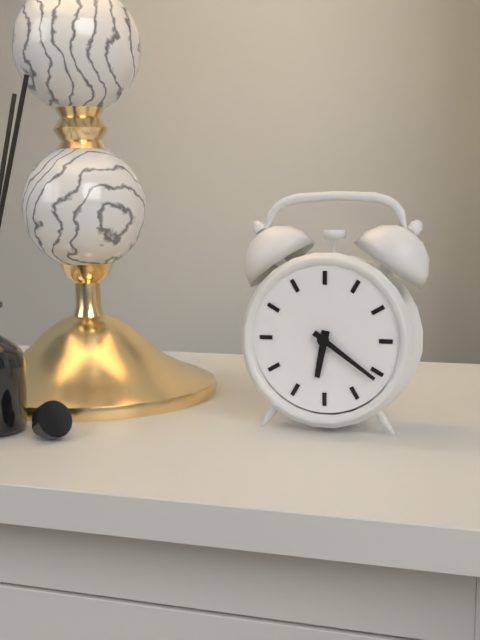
6:21
